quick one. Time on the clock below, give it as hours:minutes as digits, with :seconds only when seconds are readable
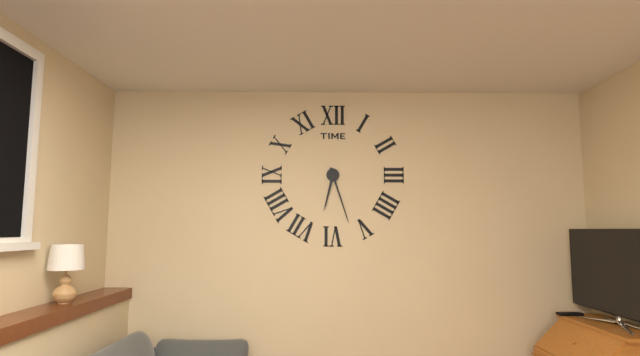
6:27
